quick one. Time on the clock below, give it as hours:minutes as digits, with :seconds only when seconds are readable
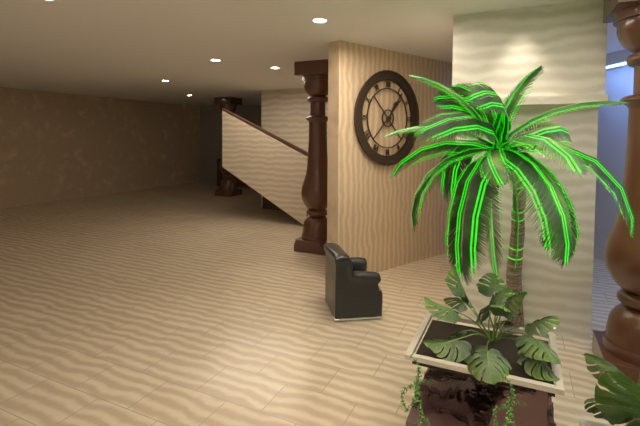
1:06
